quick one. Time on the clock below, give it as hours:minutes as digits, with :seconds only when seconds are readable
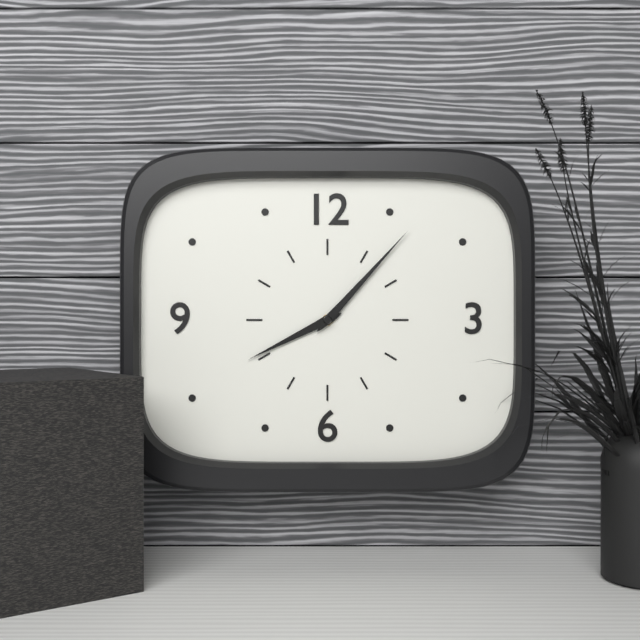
8:07
